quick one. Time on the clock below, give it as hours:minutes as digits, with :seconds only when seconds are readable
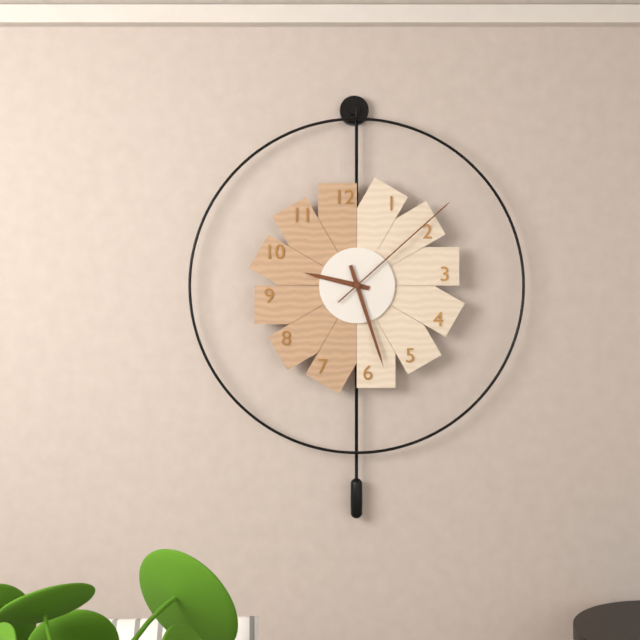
9:27:08
